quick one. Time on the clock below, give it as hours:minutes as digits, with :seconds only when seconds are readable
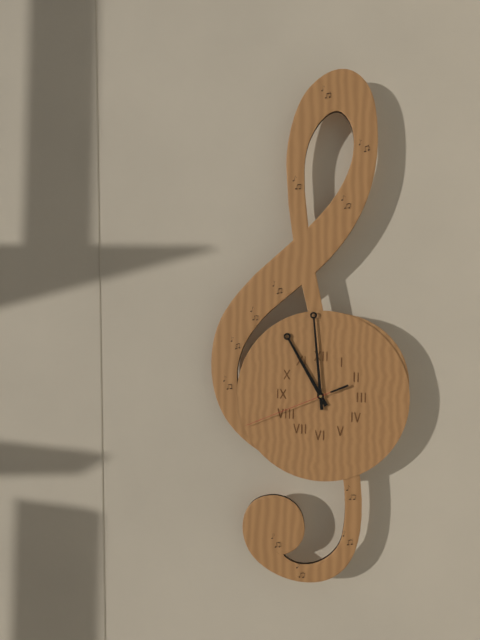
10:59:41
